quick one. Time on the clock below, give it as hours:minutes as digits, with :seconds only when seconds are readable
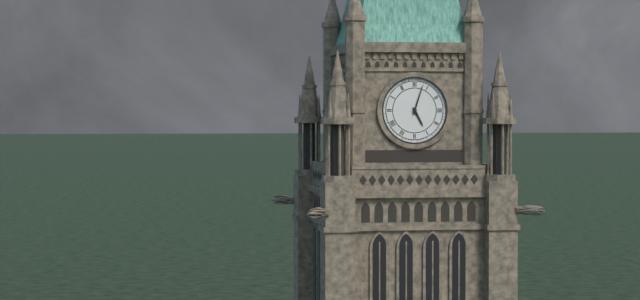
5:03
